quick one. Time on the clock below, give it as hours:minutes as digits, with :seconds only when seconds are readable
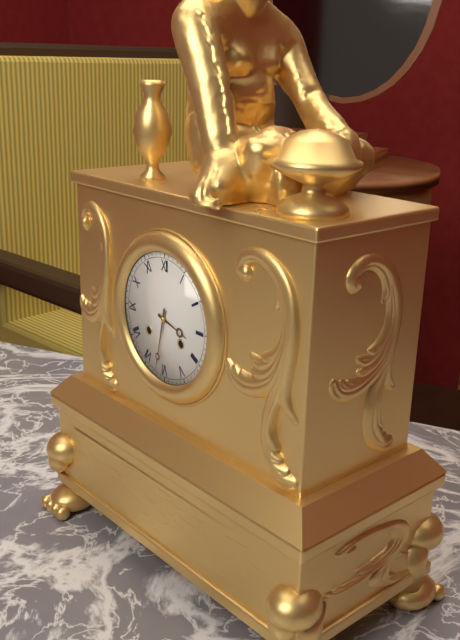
3:32
